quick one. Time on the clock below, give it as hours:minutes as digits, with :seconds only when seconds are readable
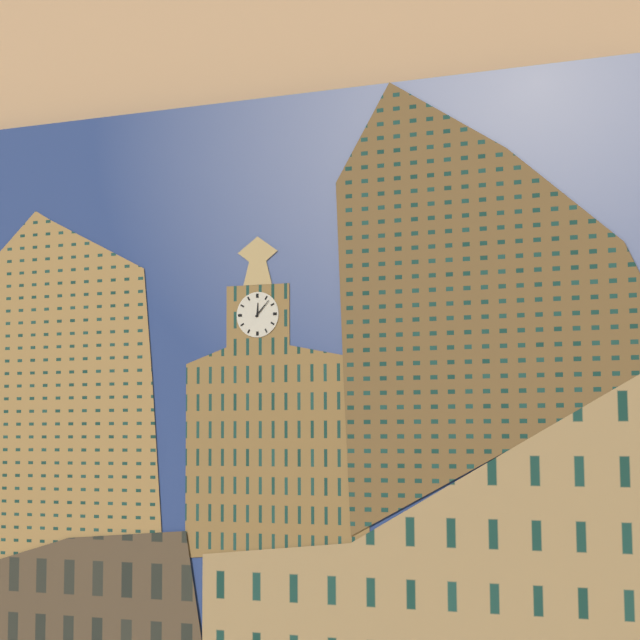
12:07
